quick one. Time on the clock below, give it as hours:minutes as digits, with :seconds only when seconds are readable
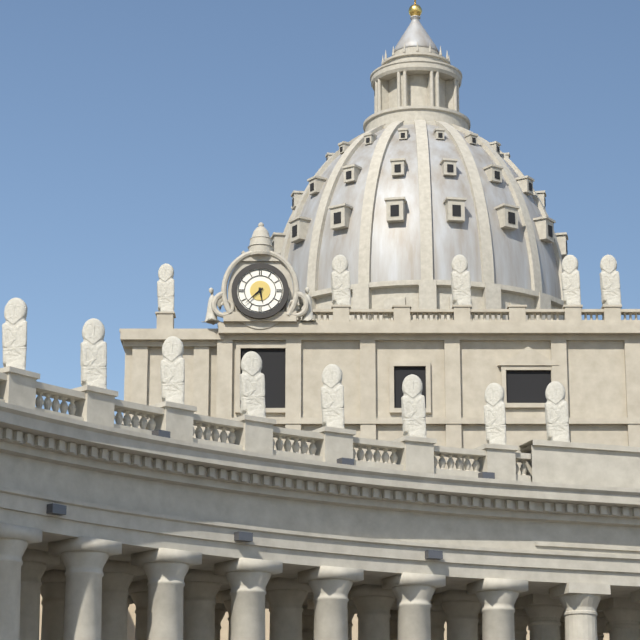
5:38
